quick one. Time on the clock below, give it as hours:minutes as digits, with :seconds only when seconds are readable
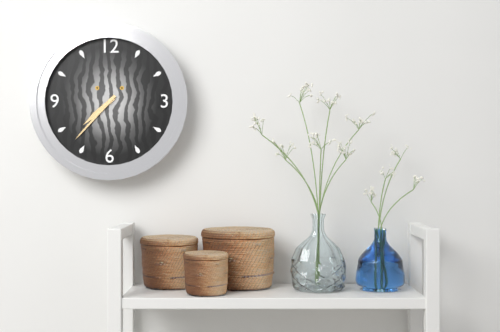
7:37
